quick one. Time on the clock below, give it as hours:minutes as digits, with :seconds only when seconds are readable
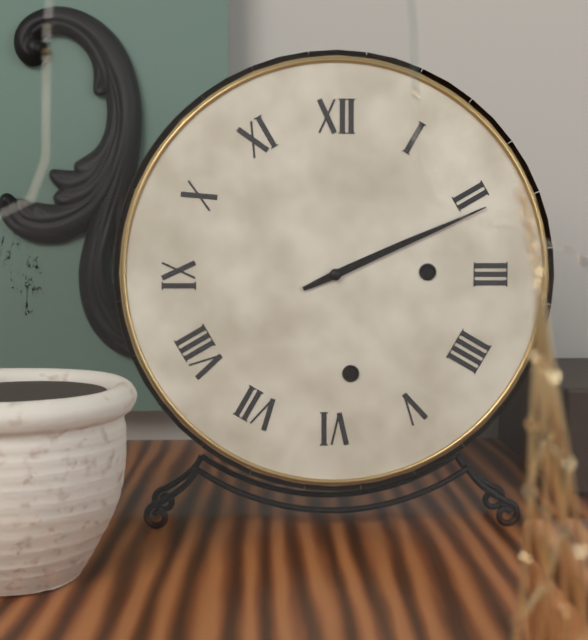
2:11
